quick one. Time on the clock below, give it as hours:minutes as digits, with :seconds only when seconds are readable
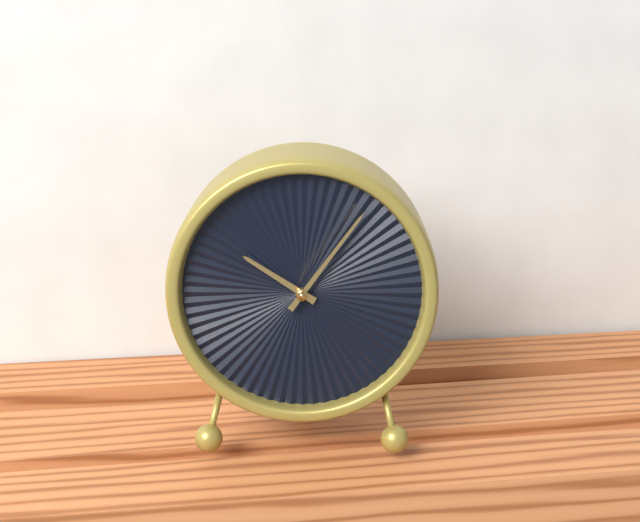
10:06
